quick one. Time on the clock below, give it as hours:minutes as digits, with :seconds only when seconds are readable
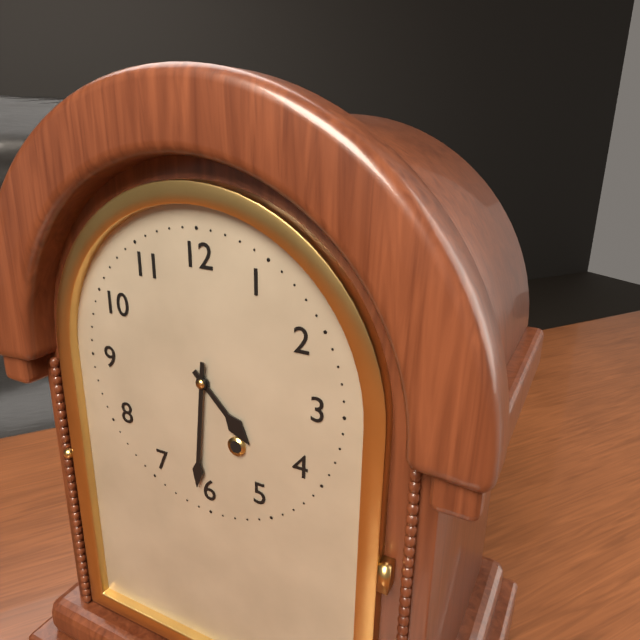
4:31
